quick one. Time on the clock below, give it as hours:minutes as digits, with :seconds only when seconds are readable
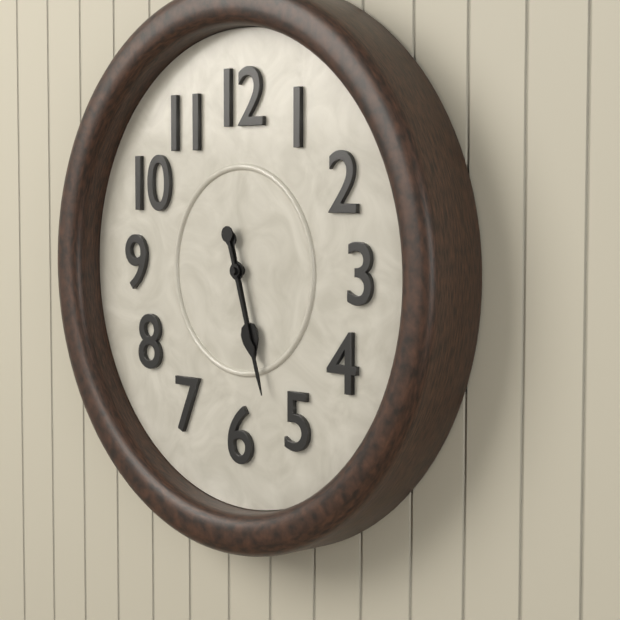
5:27
